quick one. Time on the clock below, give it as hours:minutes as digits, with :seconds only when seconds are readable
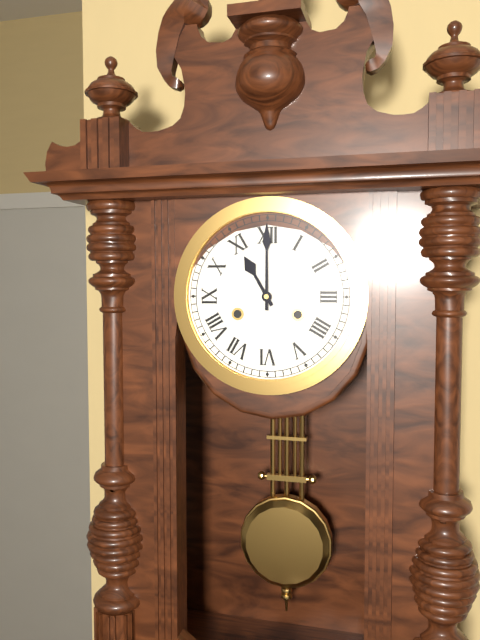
11:00
